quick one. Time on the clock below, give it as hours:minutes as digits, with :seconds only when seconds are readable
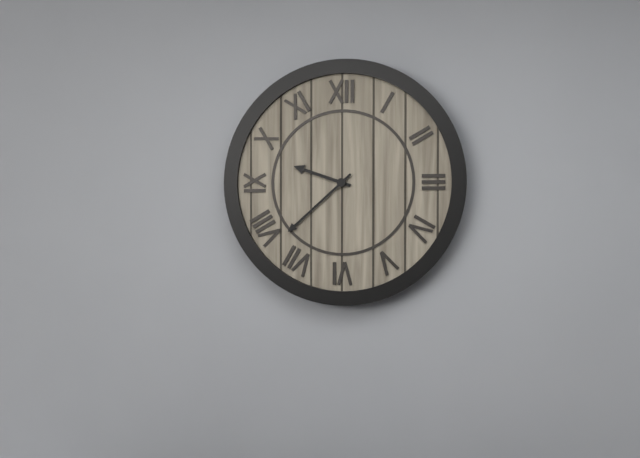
9:38
